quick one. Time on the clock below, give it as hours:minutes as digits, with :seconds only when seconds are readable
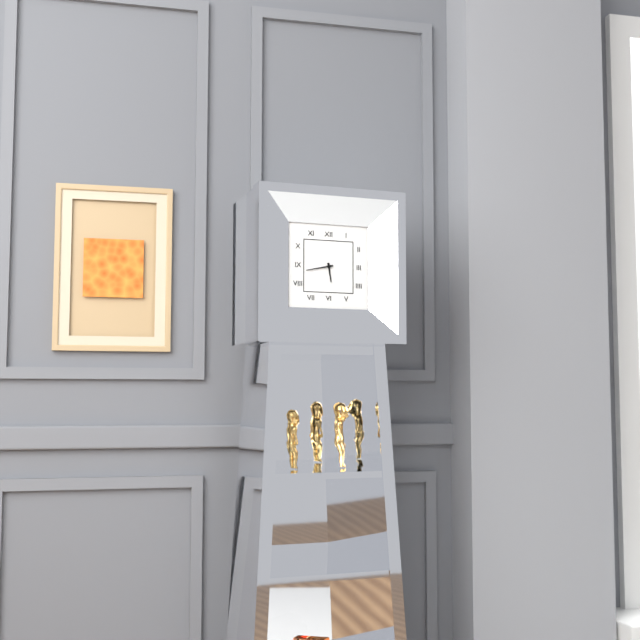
5:43
